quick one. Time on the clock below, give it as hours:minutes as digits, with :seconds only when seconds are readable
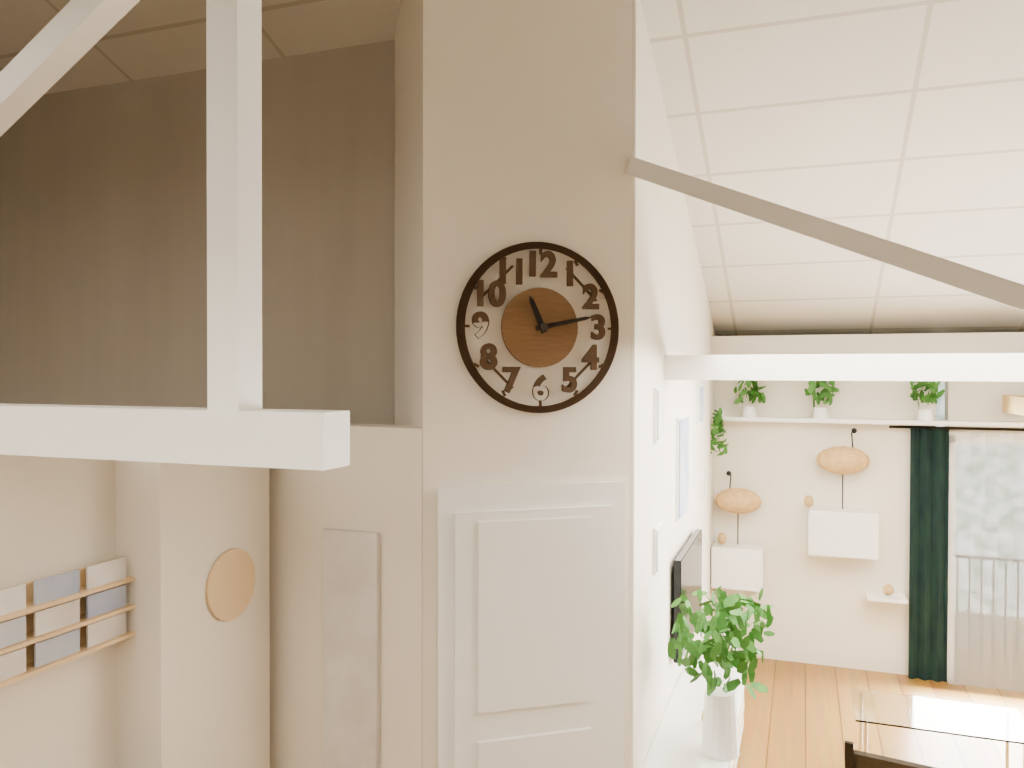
11:13
